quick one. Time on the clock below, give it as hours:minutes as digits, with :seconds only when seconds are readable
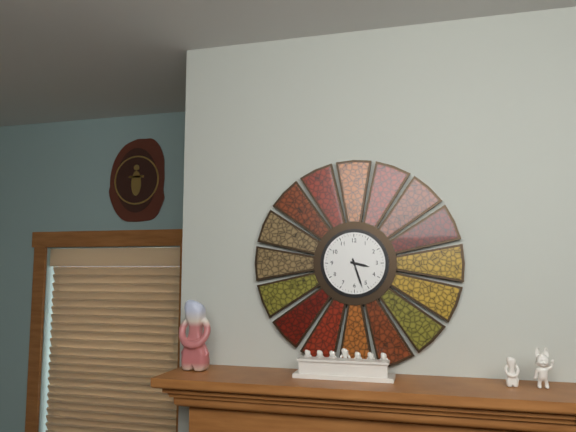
3:27
